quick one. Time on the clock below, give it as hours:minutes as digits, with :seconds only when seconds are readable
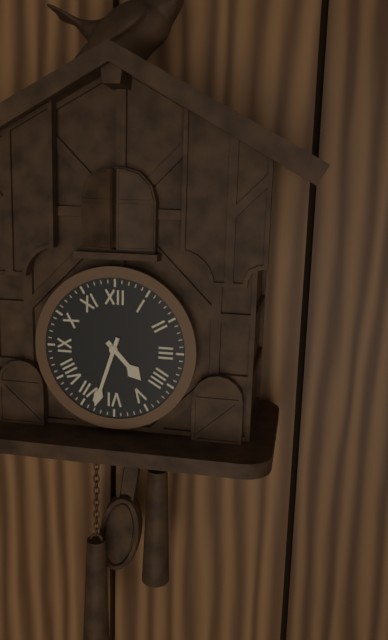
4:33
